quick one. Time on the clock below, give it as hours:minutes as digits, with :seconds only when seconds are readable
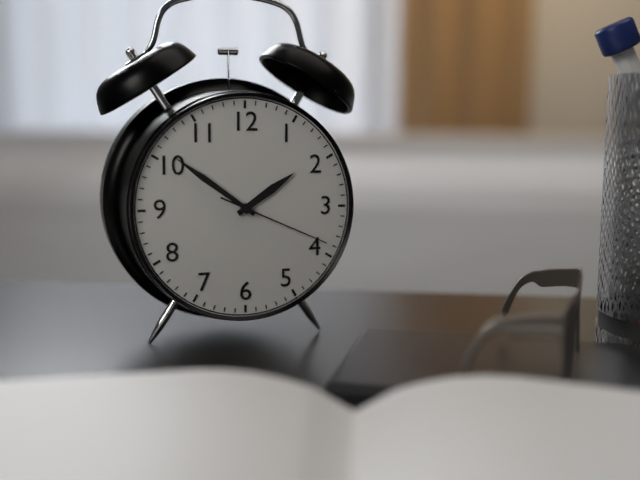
1:51:19
